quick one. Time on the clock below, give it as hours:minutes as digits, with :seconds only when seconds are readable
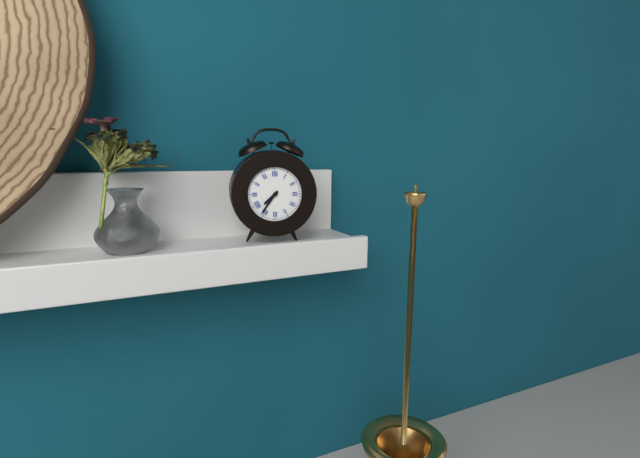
7:36
